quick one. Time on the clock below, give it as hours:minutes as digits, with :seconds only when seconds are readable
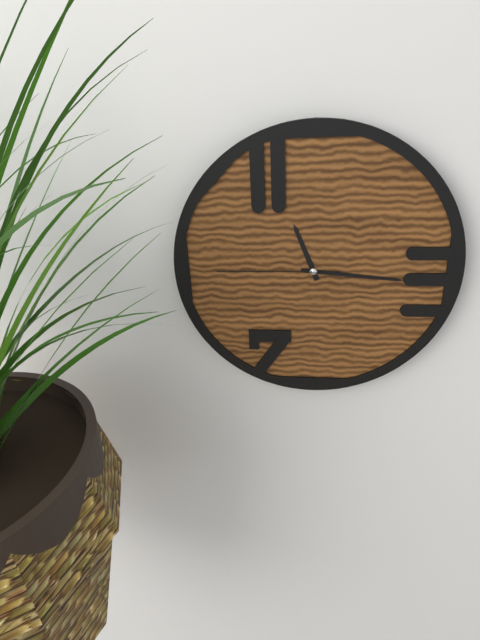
11:16:45
